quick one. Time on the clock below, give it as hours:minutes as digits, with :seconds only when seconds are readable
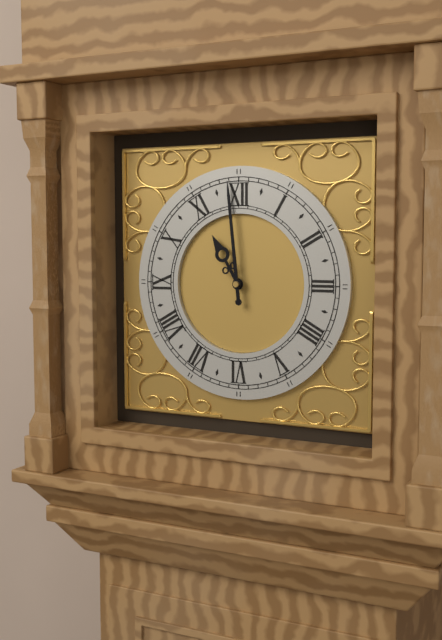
10:59
